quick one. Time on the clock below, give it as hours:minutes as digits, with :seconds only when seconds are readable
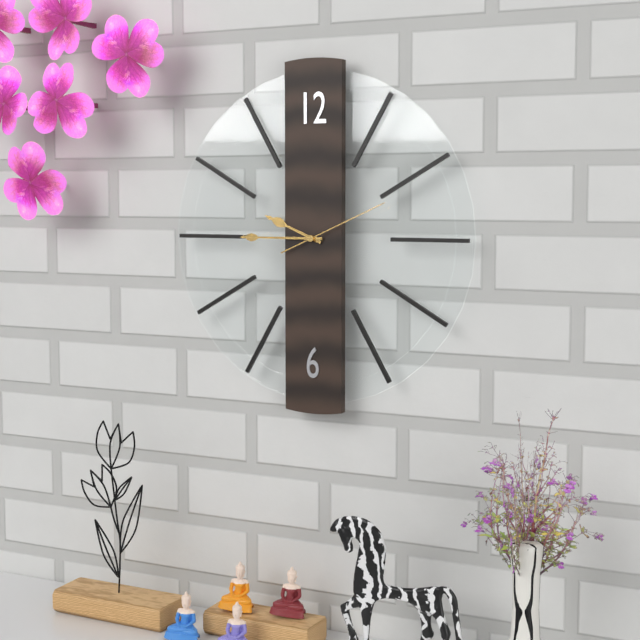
9:45:11
